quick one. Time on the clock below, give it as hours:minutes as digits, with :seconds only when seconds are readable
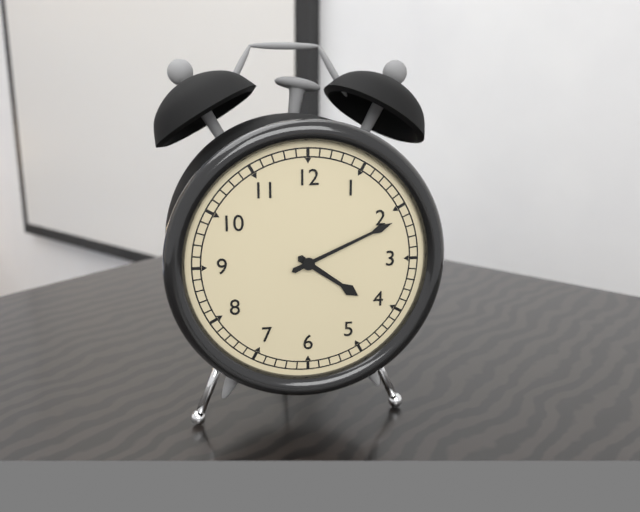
4:11
